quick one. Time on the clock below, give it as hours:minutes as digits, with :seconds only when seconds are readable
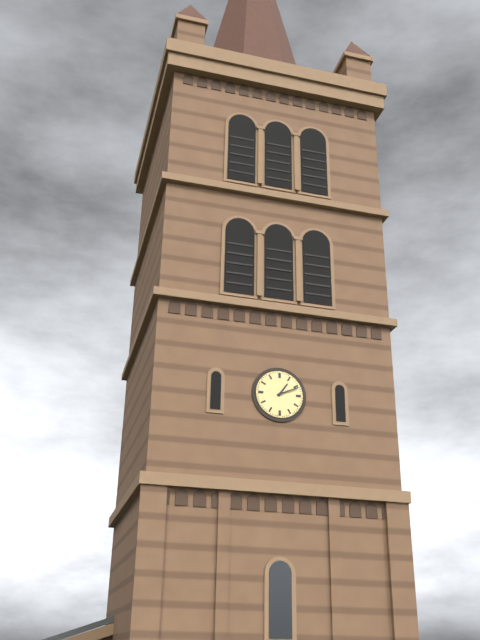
1:11
